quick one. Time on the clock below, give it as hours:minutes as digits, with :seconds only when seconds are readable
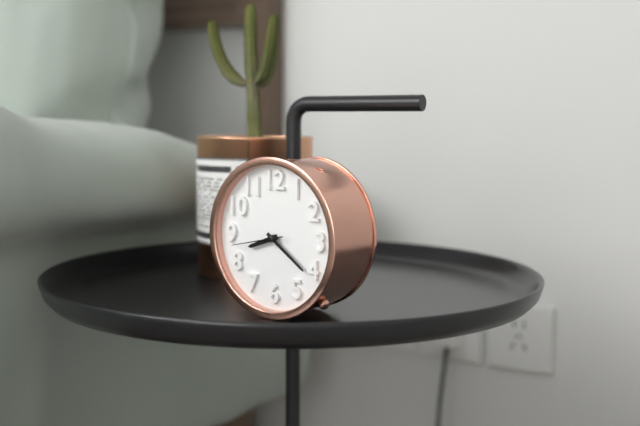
8:21
